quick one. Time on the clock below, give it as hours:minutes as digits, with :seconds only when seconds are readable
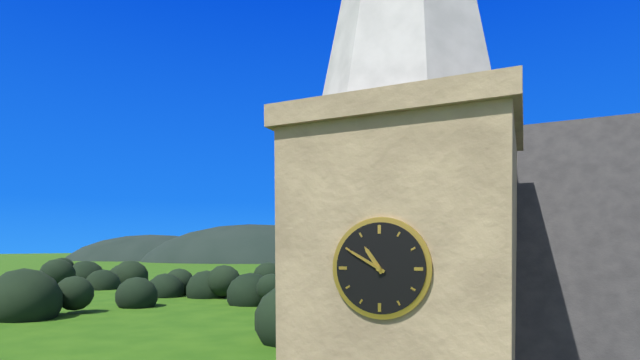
10:50
